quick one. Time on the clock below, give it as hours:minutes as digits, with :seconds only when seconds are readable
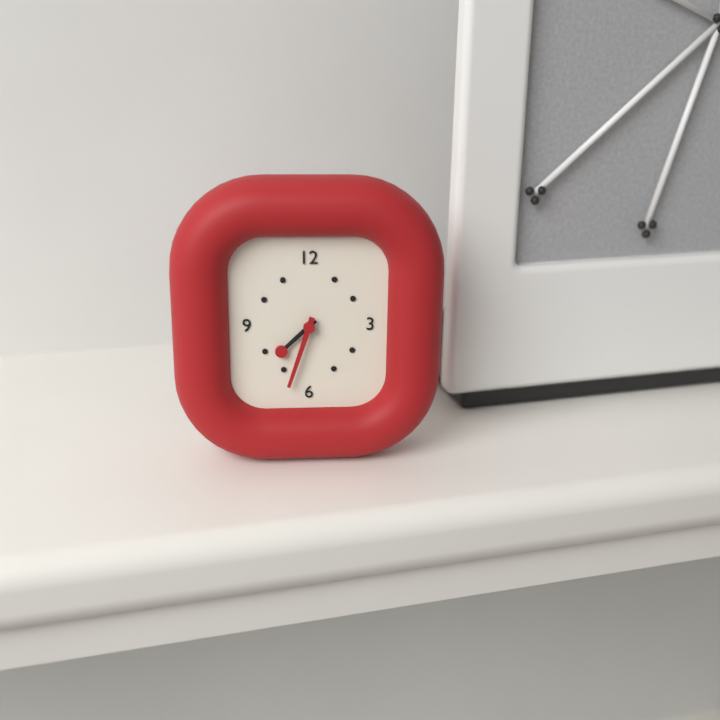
7:33
